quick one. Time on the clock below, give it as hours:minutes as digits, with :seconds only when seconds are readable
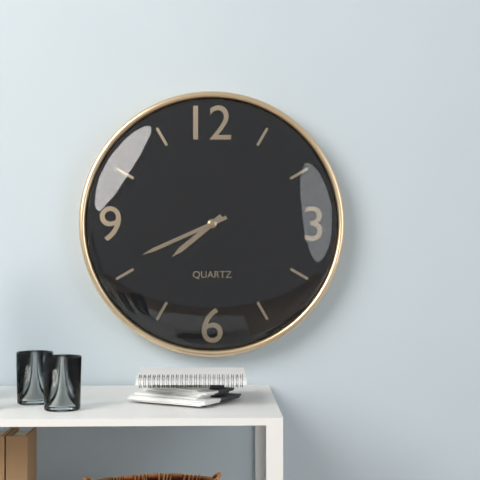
7:41
